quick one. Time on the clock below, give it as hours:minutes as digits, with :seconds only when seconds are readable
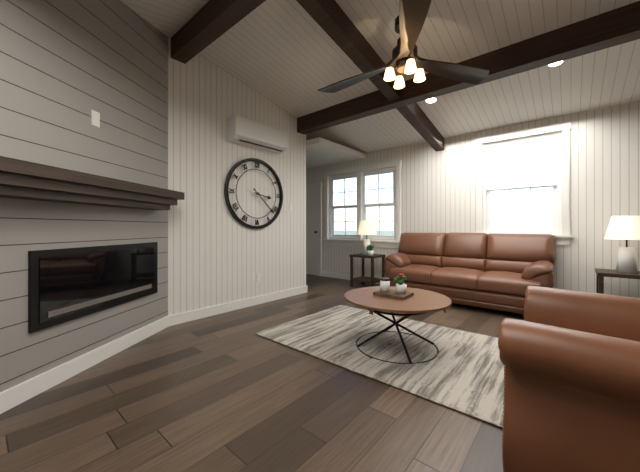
3:22
